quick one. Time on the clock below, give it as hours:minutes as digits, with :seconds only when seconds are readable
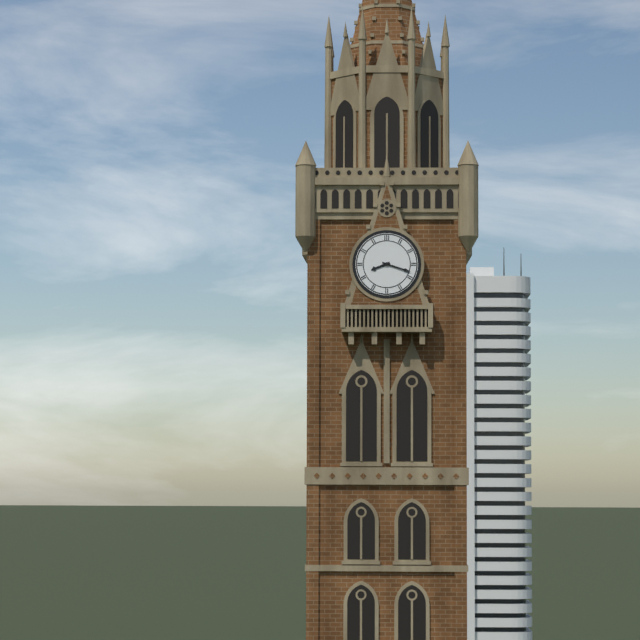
8:18
